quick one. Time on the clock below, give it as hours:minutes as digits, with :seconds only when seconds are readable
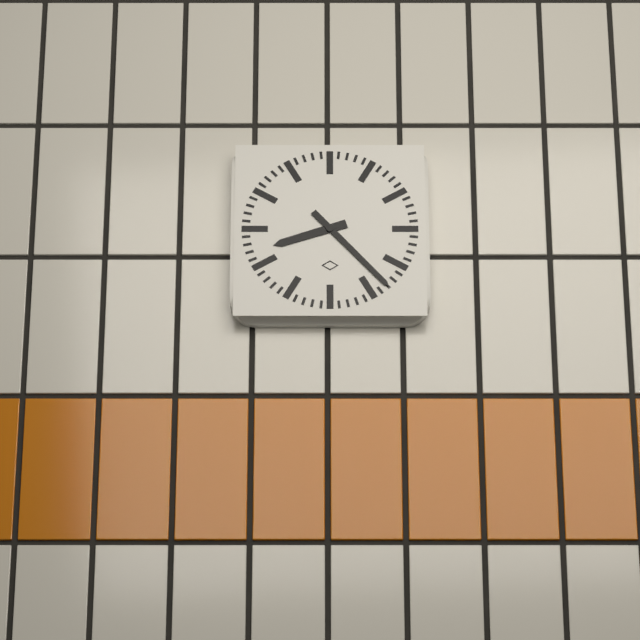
8:23
